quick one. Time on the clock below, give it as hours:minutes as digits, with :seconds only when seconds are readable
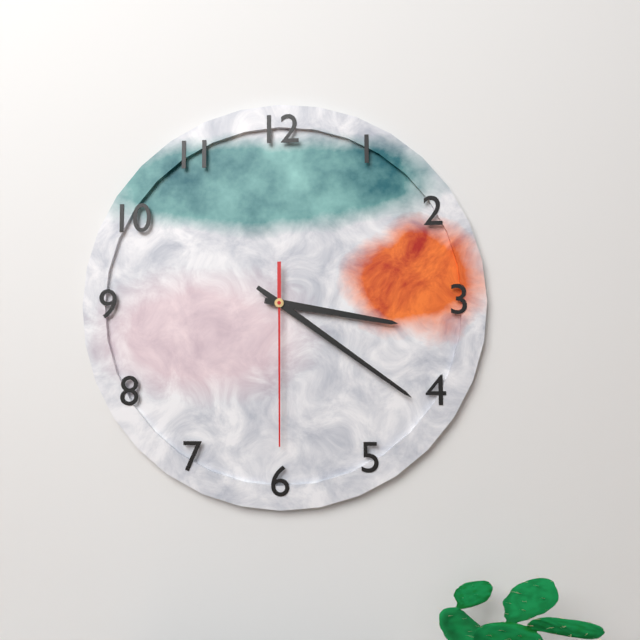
3:21:30
